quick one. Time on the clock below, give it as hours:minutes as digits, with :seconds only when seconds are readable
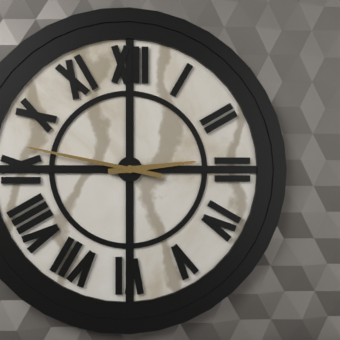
2:47
